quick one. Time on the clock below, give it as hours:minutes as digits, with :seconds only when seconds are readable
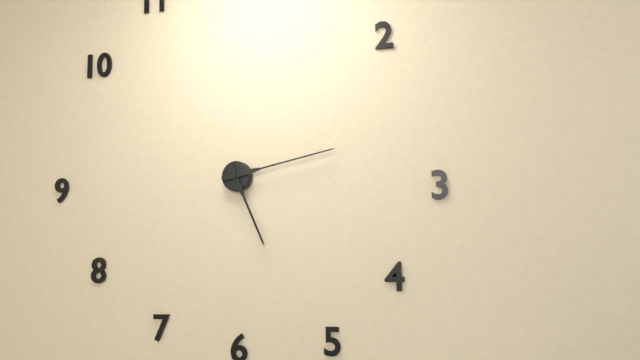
5:13
